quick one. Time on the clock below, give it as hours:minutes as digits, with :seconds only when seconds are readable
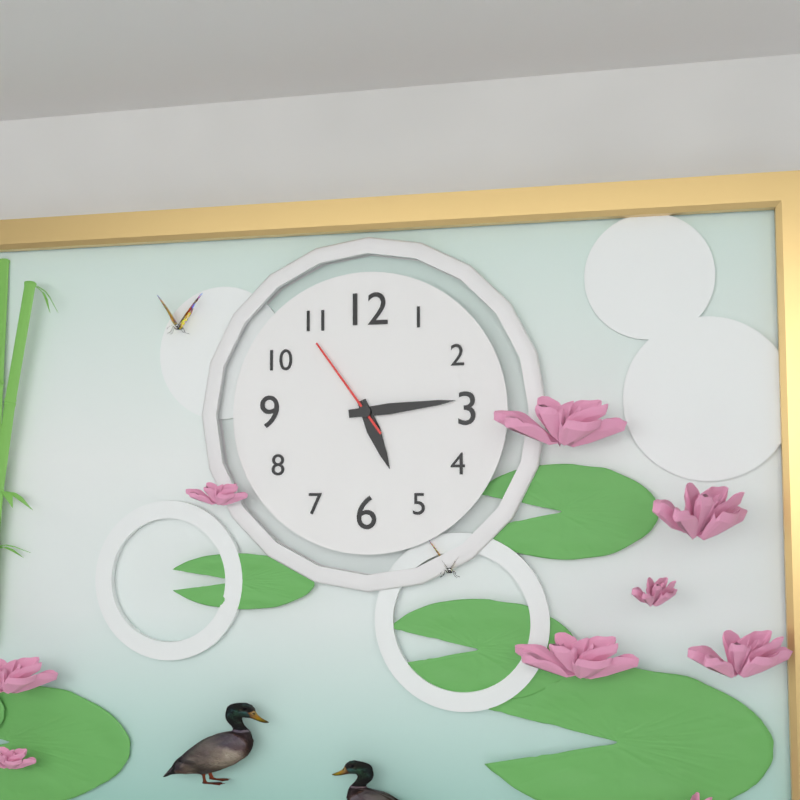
5:14:54
